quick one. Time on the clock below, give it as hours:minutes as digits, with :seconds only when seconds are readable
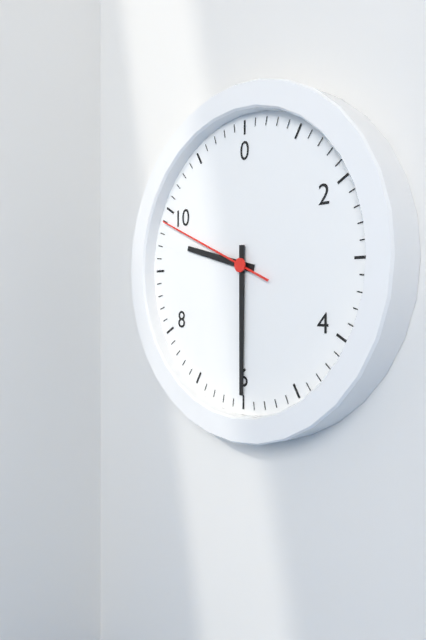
9:30:49
